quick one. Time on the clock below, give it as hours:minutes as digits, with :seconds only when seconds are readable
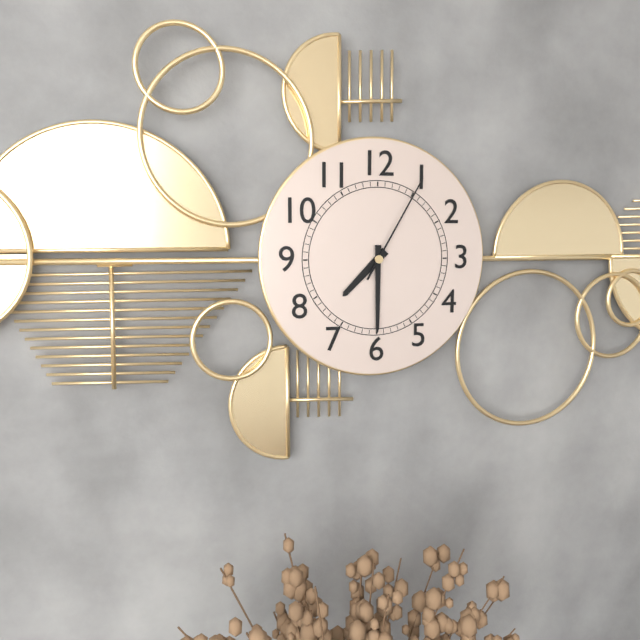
7:30:05
